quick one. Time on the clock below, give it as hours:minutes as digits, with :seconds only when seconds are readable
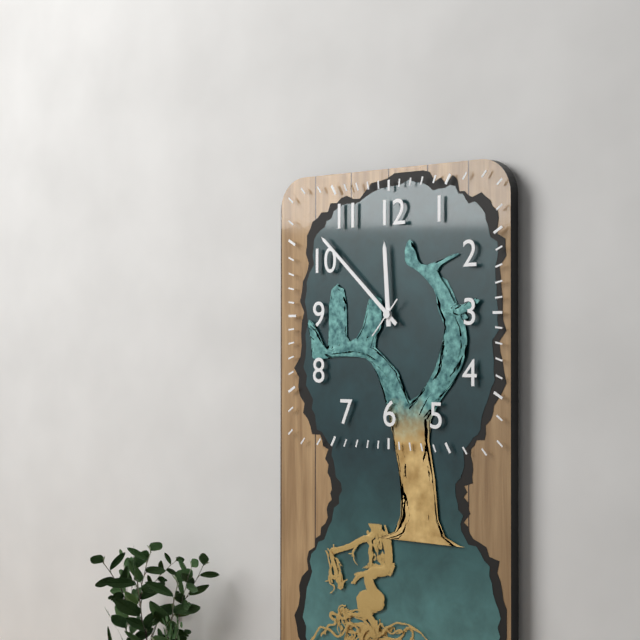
11:52:37
